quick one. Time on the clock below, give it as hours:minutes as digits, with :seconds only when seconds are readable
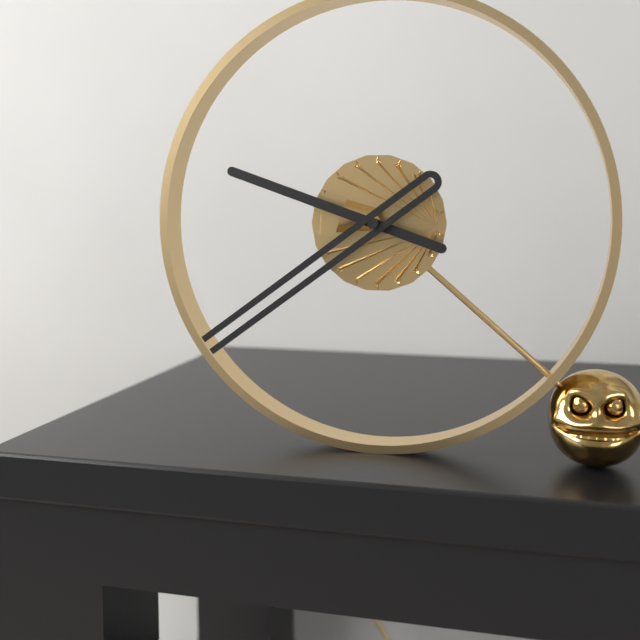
9:39
